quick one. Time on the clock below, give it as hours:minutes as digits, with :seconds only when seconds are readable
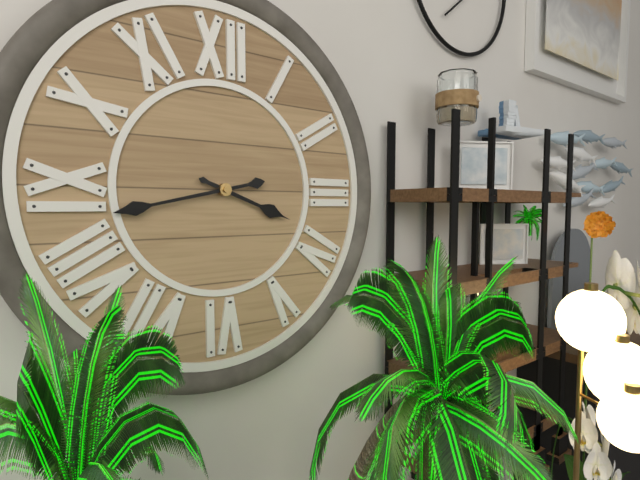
3:43
